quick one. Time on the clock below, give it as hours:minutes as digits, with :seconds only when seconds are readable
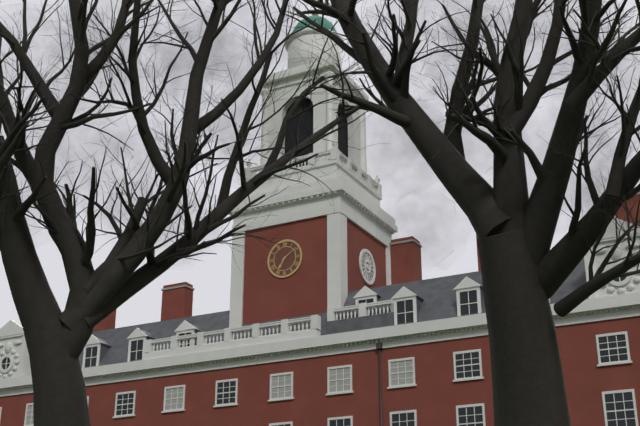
7:09
